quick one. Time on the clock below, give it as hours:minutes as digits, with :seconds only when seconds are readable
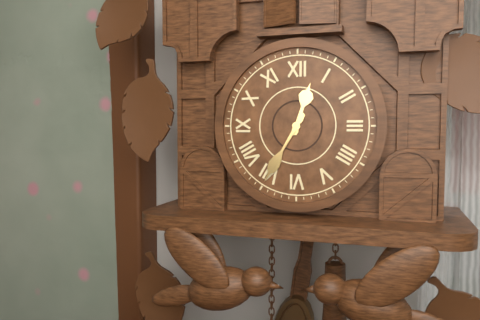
12:35
